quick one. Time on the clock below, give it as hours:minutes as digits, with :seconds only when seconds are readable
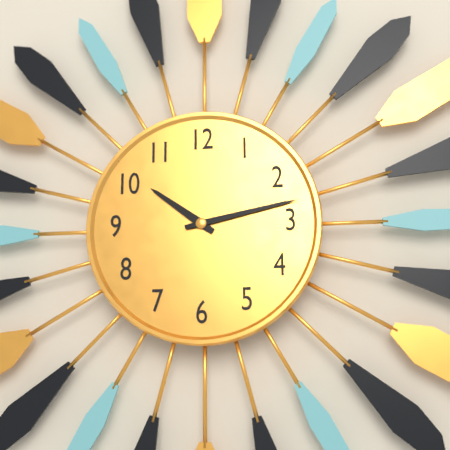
10:13
